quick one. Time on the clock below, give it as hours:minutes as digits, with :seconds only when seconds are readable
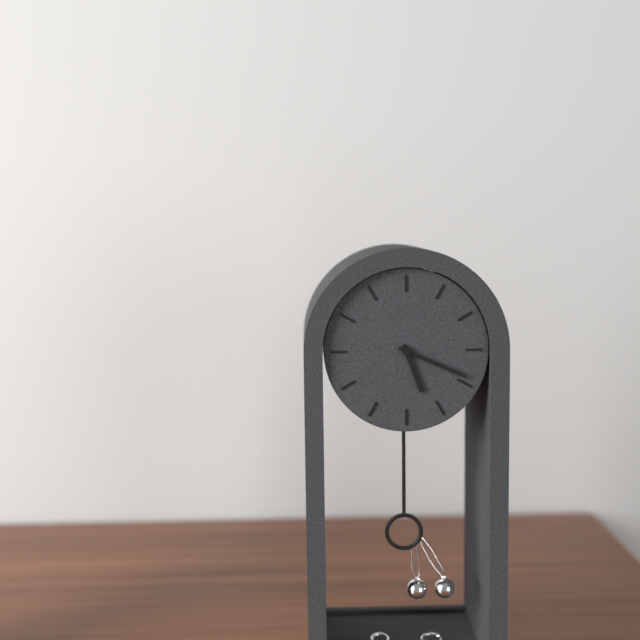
5:19
